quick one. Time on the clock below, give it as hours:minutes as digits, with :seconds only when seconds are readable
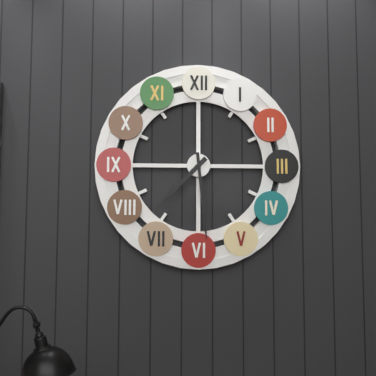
7:29
